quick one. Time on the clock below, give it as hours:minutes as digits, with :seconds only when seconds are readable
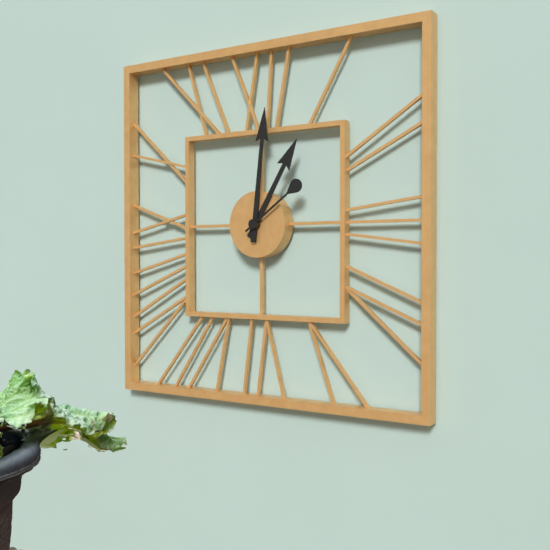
1:01:09
